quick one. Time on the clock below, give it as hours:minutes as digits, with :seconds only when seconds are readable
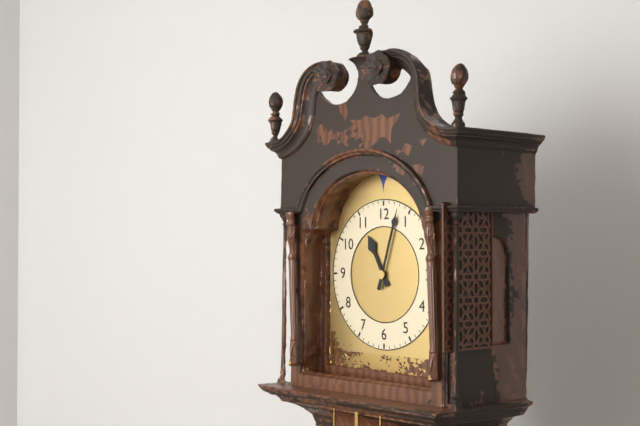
11:03
